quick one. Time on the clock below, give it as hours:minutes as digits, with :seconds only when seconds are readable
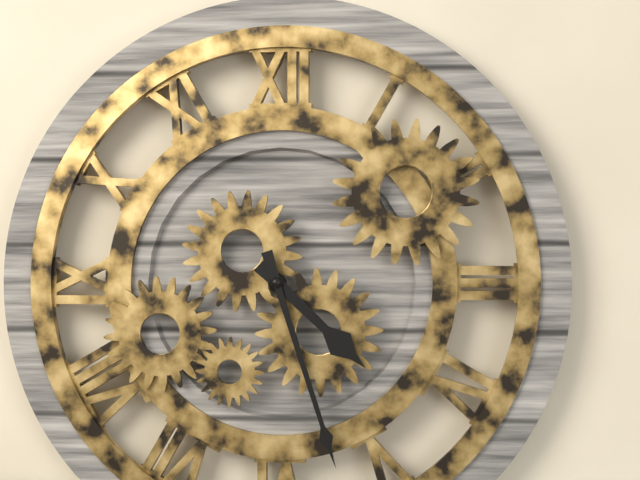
4:27
